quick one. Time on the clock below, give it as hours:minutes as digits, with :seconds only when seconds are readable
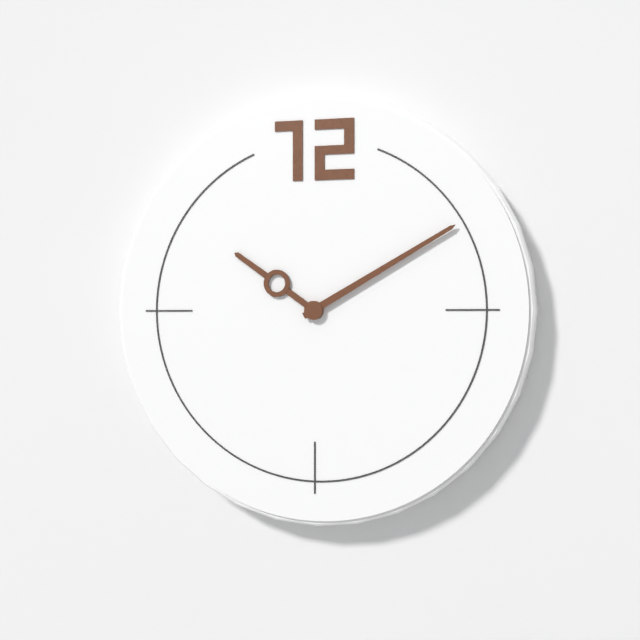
10:10
